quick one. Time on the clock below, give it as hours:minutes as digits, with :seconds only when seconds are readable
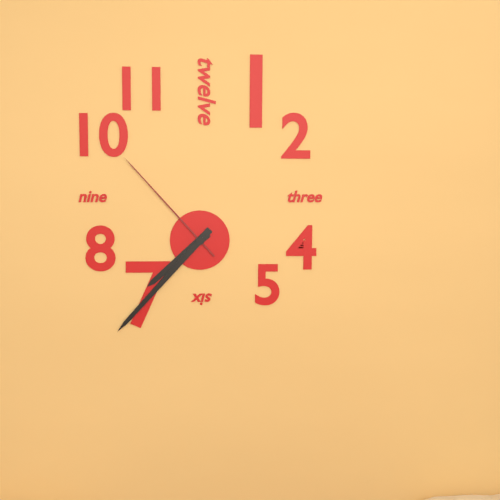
7:37:53
